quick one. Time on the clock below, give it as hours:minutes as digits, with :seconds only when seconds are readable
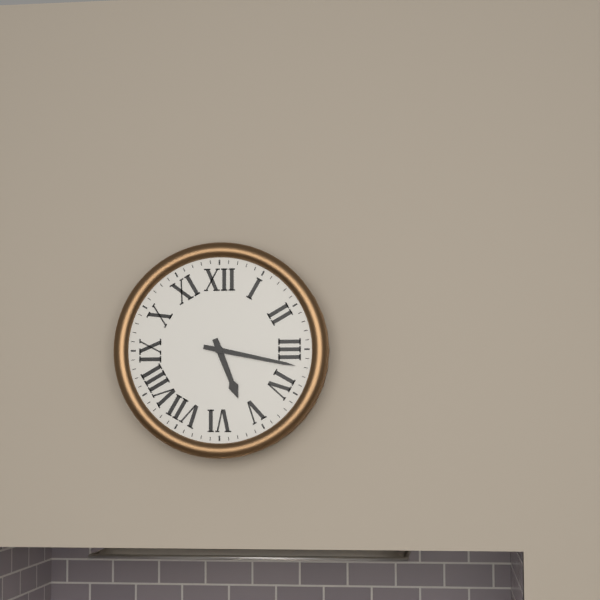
5:17
